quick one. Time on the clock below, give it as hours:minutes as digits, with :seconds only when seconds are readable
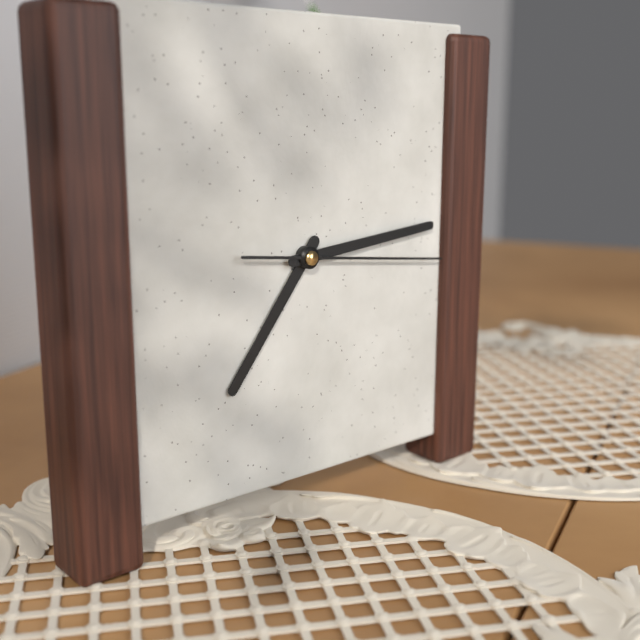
7:14:16
